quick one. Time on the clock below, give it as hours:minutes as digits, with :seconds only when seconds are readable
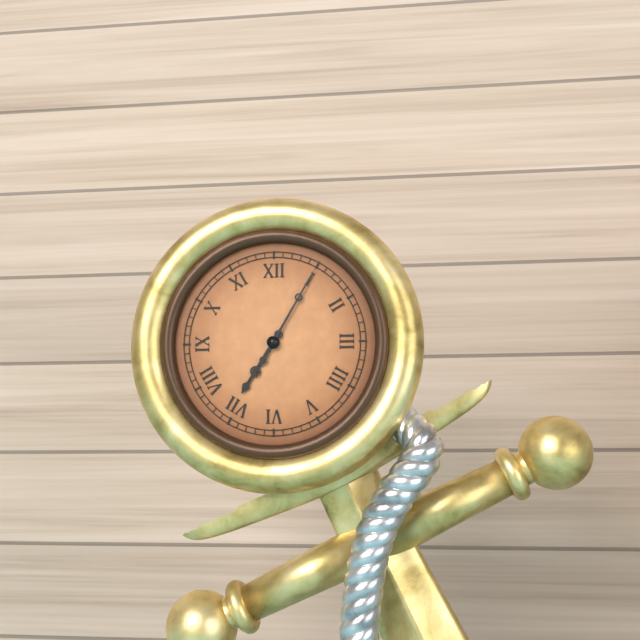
7:05
